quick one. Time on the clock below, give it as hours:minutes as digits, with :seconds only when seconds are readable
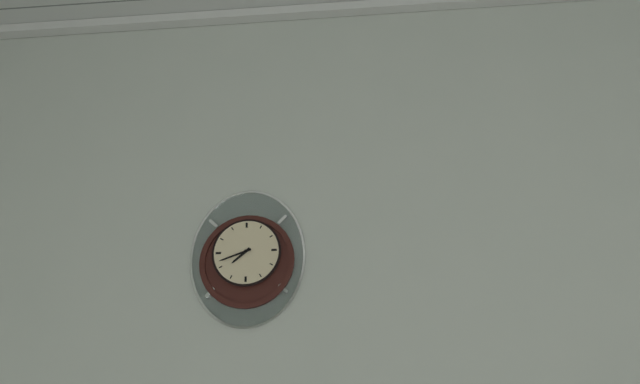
7:42
